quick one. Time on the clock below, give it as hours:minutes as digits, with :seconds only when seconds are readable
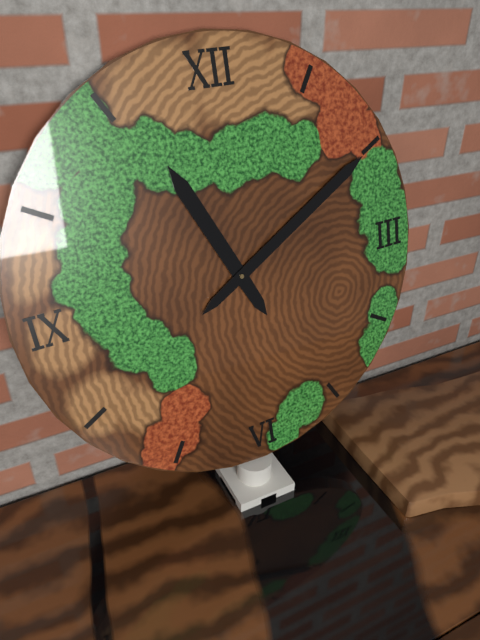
11:10
